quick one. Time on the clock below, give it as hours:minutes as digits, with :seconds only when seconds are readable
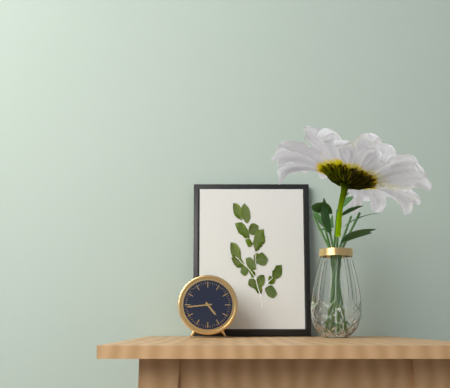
4:44
